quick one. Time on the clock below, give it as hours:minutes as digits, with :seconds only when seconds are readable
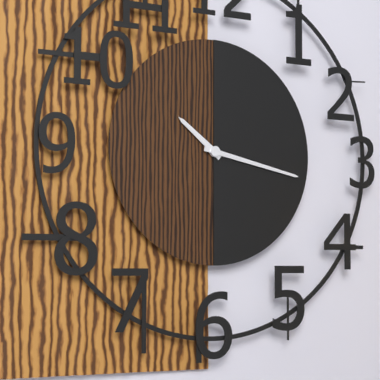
10:17
